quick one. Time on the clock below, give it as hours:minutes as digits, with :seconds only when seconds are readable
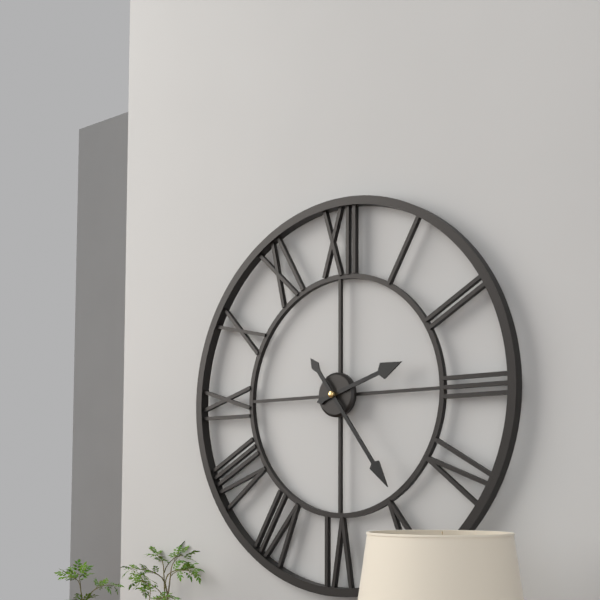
2:24
